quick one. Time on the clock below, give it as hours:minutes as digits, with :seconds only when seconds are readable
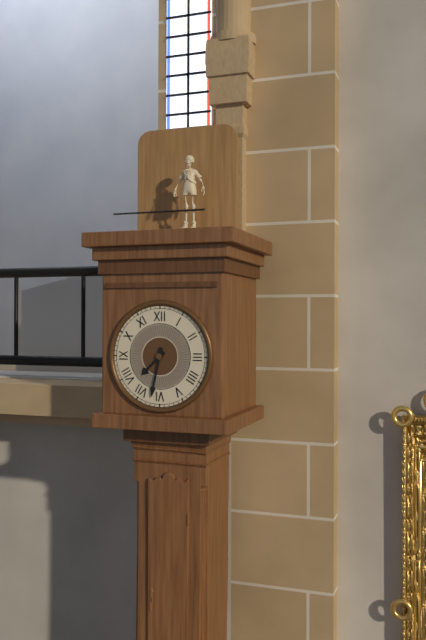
7:32
